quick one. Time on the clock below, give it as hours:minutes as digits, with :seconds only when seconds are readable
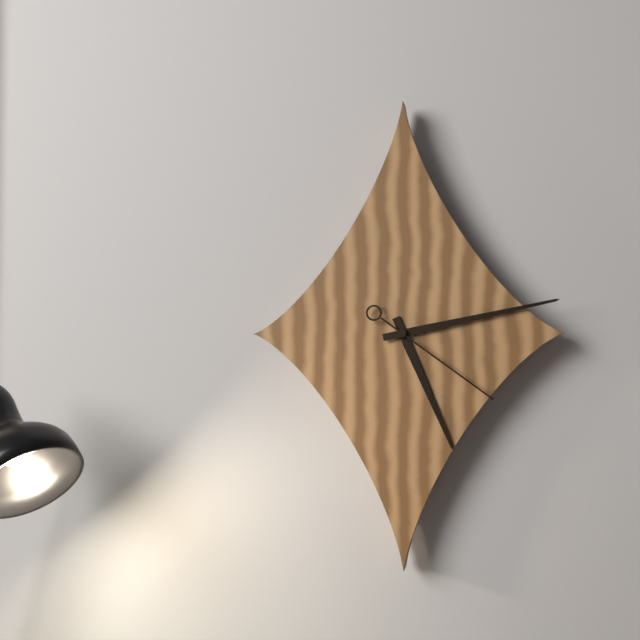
5:13:21
